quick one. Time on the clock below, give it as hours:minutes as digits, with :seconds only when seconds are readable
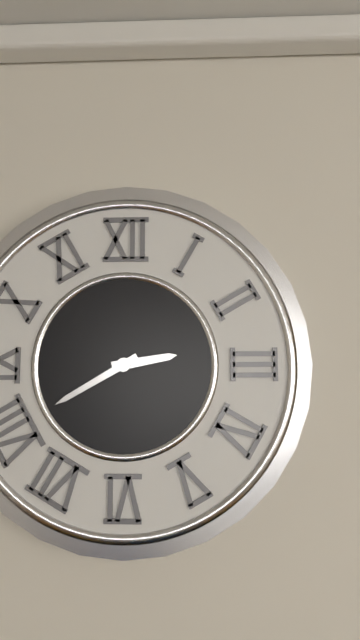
2:40
